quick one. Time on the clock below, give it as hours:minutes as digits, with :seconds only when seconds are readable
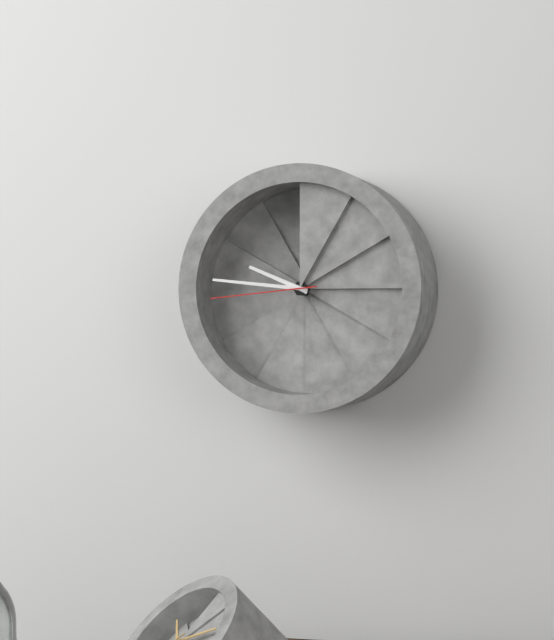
9:46:44
